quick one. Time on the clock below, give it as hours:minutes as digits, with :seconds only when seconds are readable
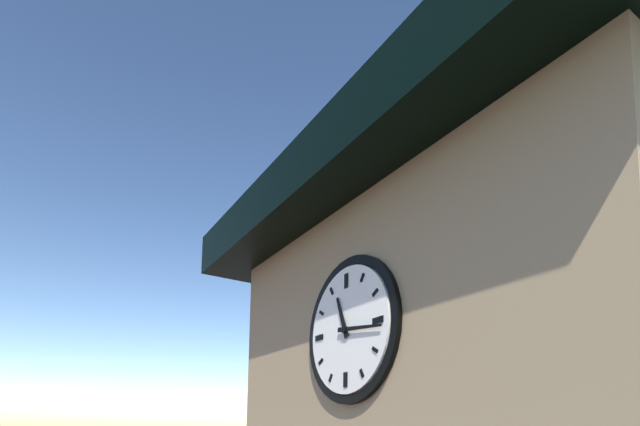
11:16
